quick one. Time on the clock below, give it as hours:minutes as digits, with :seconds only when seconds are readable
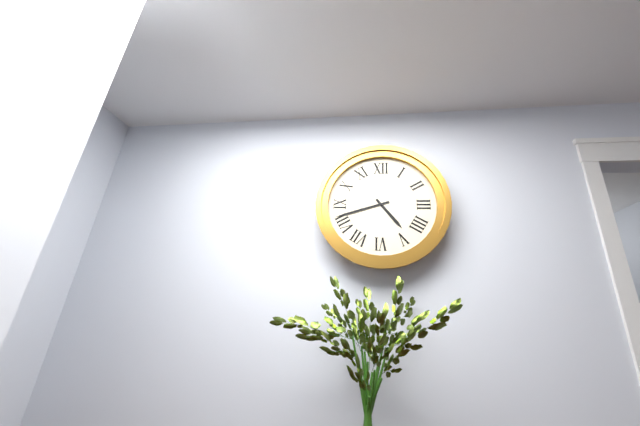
4:42
